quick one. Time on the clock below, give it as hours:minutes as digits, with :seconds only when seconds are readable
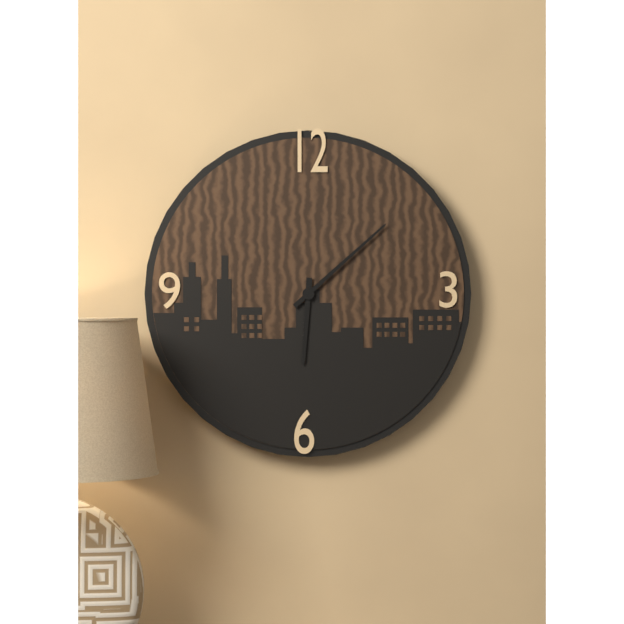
6:08
